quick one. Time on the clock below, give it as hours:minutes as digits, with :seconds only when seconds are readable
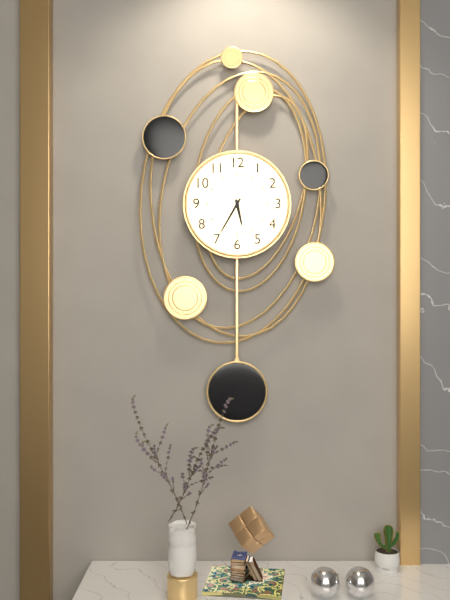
5:35
